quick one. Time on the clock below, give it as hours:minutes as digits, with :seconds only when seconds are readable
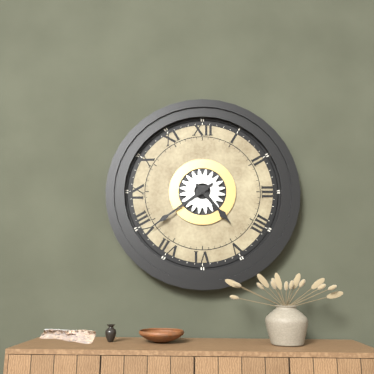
4:39
